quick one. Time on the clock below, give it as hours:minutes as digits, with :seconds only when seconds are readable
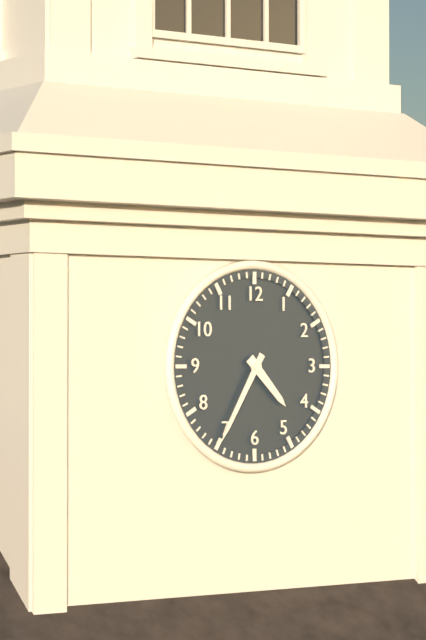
4:35
